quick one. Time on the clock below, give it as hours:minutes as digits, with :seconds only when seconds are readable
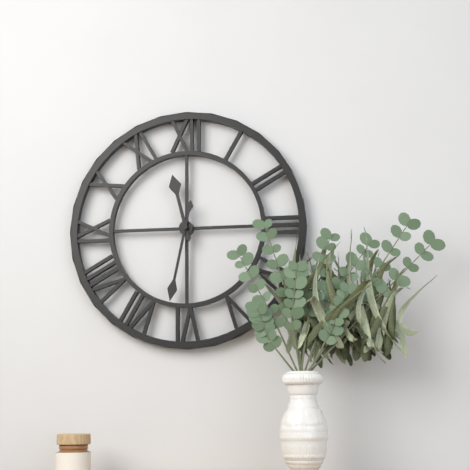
11:32
